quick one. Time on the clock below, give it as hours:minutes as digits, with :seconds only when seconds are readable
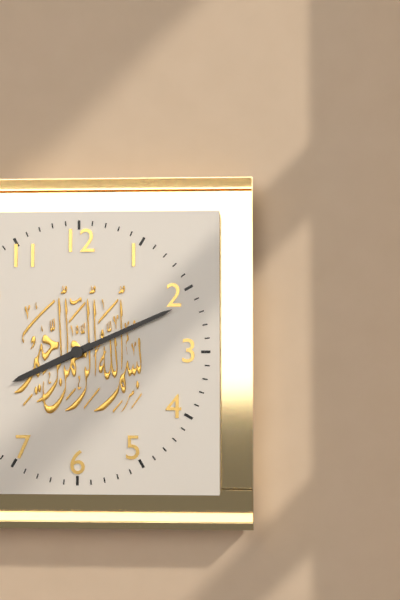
8:11
